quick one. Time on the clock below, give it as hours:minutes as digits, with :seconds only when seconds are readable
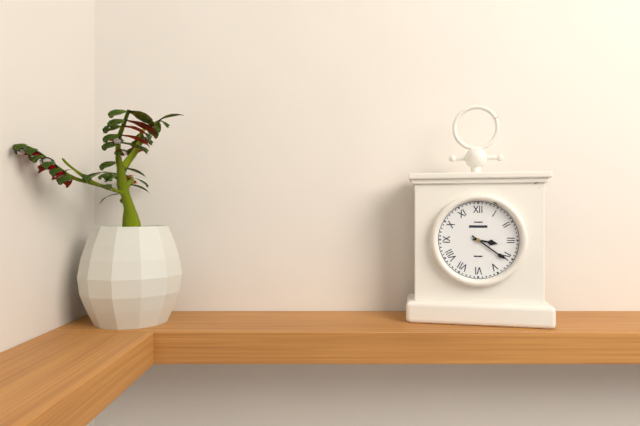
3:21
